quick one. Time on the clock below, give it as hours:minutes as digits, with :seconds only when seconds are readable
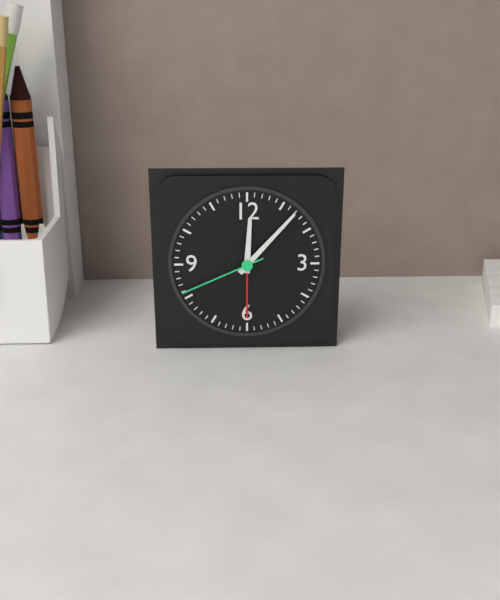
12:07:41
